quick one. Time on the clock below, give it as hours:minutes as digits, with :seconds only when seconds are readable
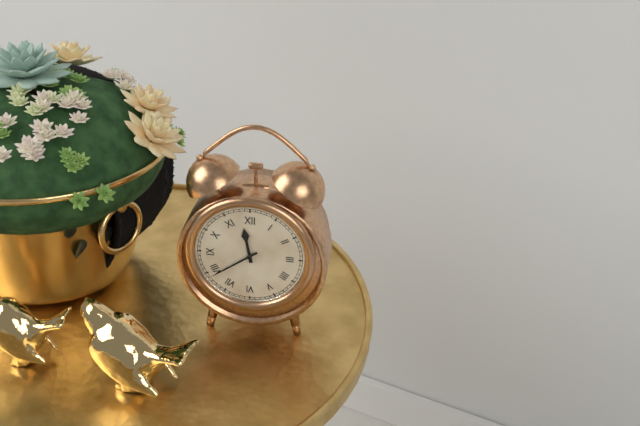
11:39
